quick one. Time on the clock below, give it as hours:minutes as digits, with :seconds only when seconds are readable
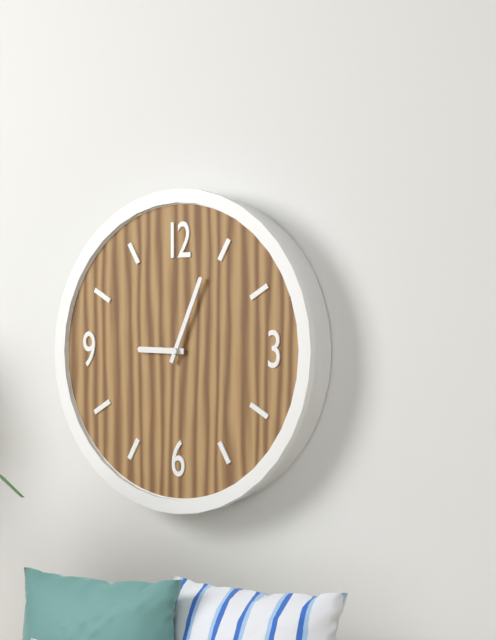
9:04
